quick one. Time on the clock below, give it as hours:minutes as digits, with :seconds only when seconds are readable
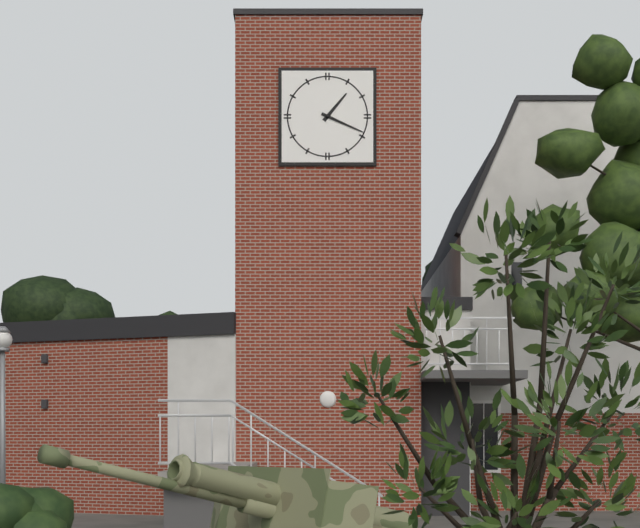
1:19
